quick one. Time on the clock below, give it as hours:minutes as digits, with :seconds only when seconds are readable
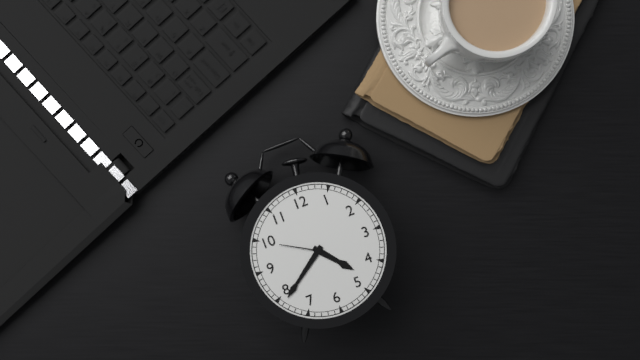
4:39
